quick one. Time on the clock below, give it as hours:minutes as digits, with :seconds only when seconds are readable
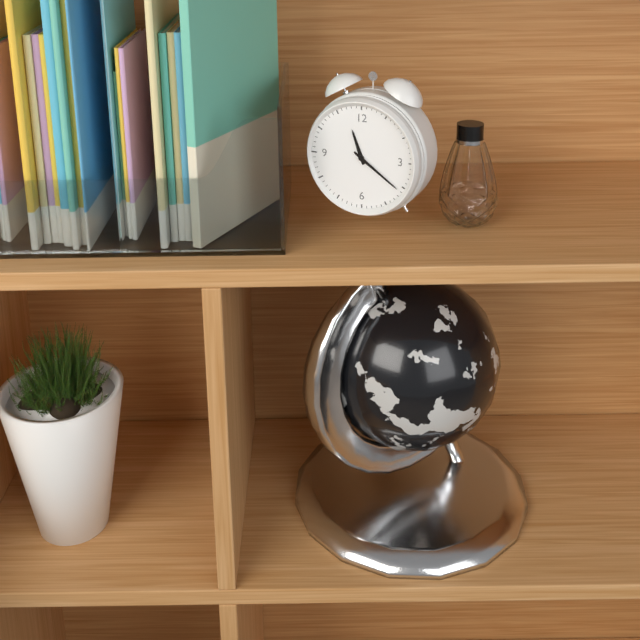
11:21
